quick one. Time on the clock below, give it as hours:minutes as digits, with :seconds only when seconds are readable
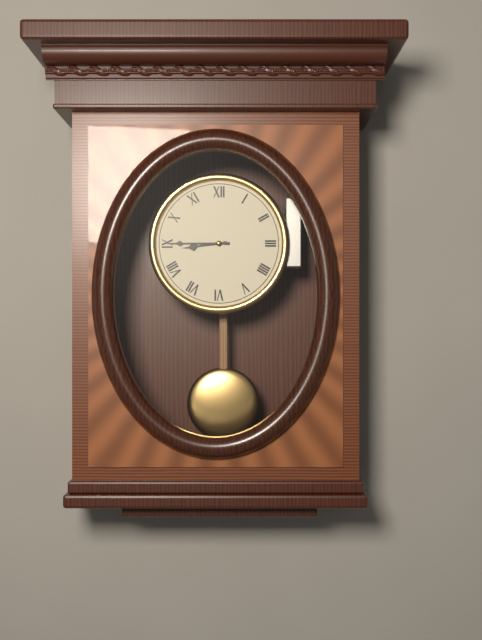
8:45
